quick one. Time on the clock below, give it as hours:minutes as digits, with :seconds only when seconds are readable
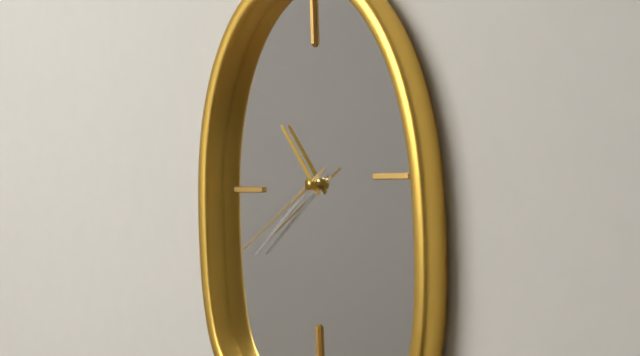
10:39:40
